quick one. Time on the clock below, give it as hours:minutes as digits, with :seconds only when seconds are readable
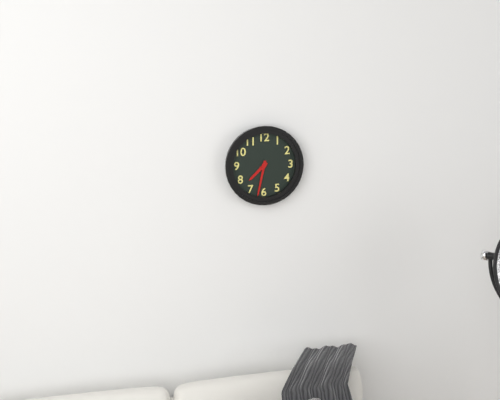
7:32
